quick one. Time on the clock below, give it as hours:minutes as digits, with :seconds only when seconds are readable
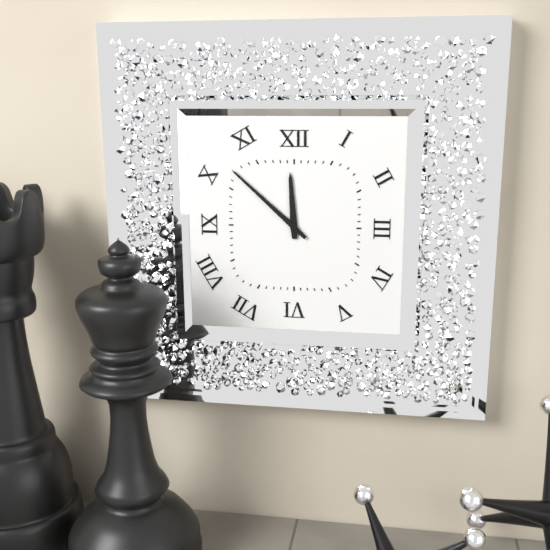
11:52
